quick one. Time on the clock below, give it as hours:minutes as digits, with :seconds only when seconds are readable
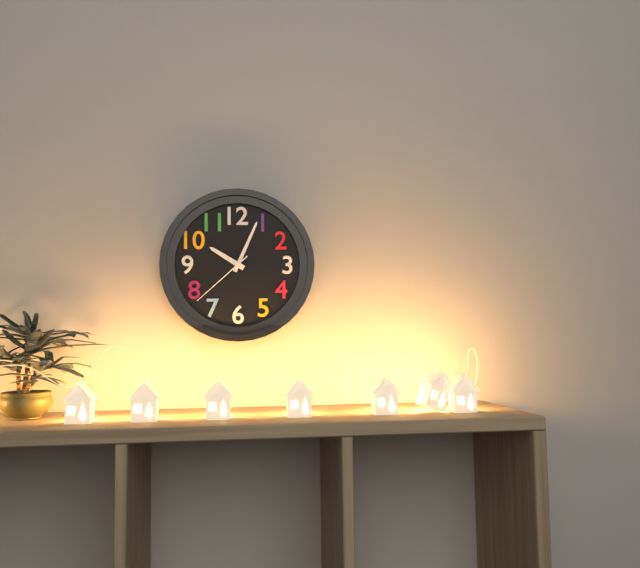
10:04:38
